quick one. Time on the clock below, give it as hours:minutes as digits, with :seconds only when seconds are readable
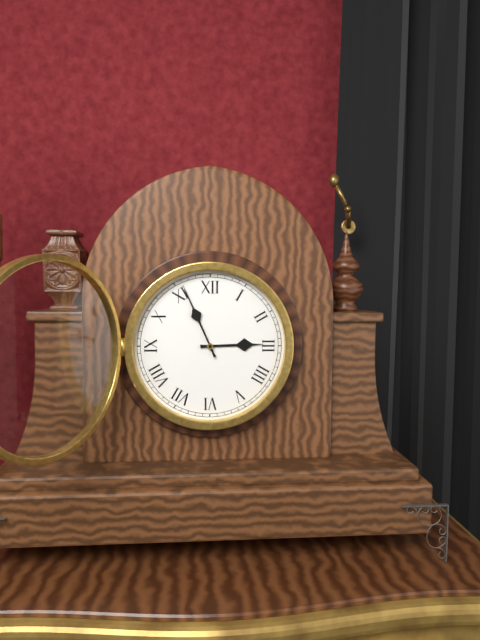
2:56
